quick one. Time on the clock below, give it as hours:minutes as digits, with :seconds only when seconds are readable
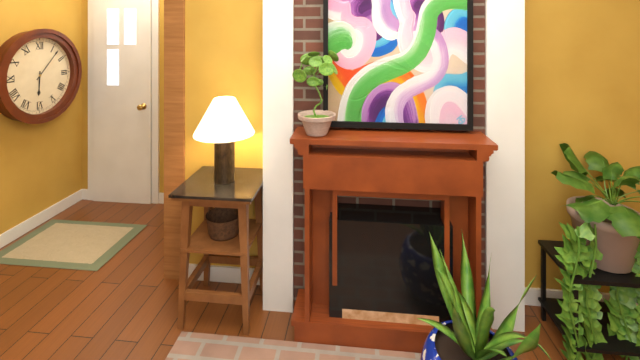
6:07
